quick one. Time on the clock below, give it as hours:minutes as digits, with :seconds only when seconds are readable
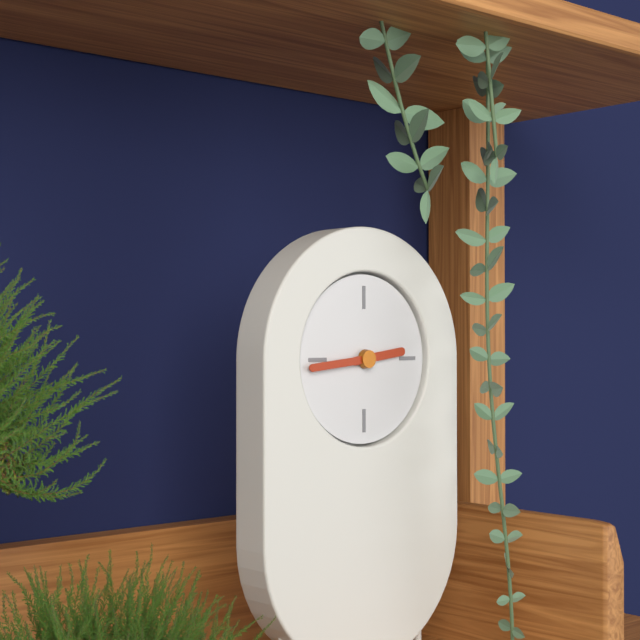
2:44
